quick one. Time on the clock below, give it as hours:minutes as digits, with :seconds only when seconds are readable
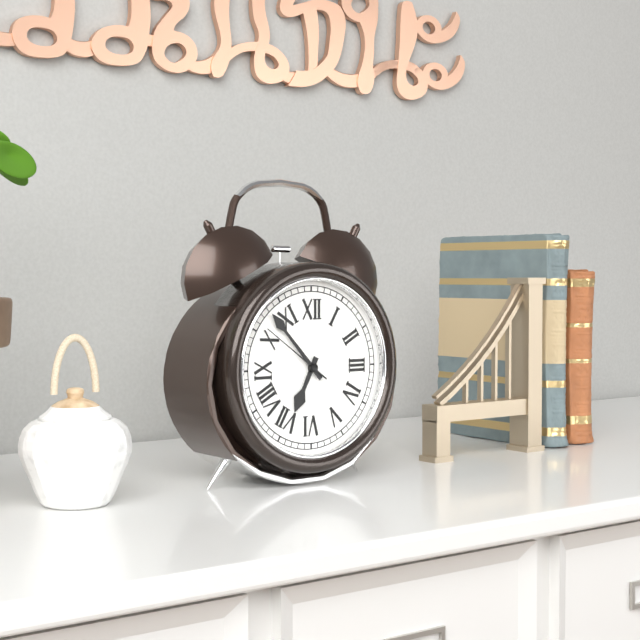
6:53:51
